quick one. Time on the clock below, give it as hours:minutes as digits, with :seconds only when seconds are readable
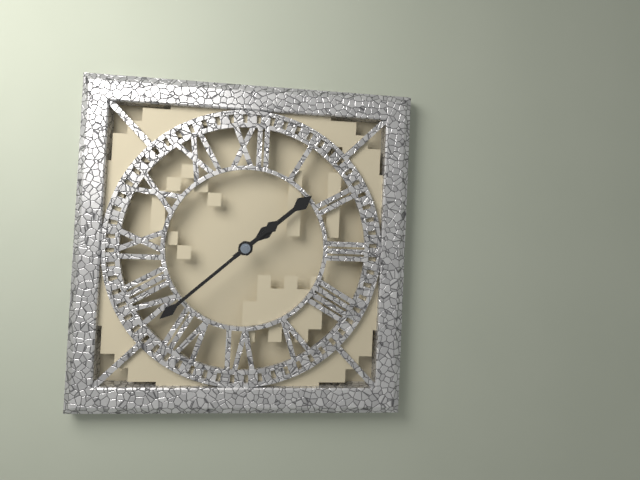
1:38
